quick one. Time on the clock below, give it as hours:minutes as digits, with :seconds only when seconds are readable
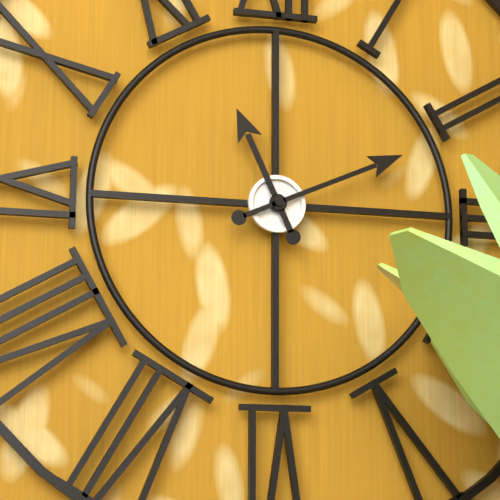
11:11
